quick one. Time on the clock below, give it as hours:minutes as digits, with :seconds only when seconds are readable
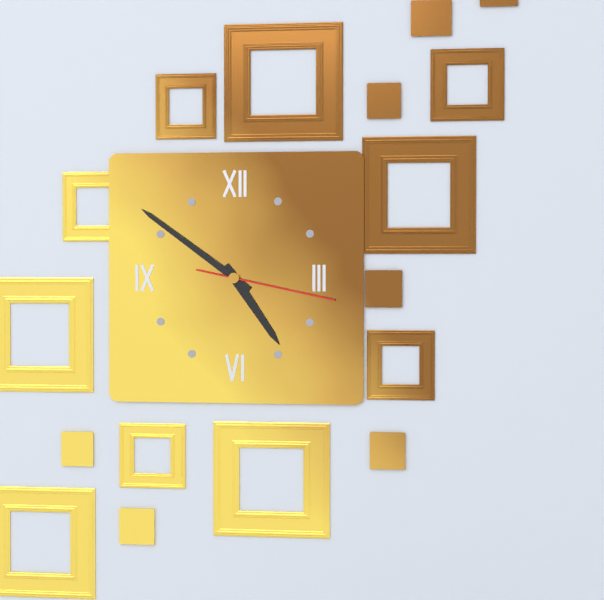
4:51:17
